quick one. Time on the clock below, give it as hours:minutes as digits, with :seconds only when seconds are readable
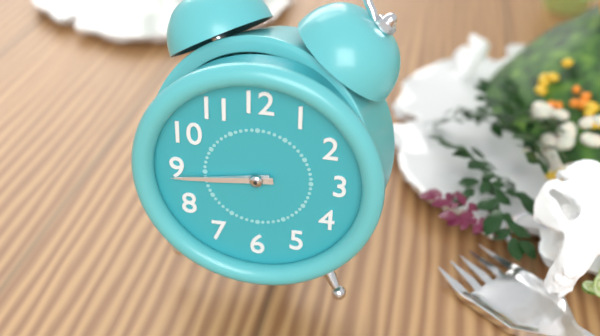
8:44
